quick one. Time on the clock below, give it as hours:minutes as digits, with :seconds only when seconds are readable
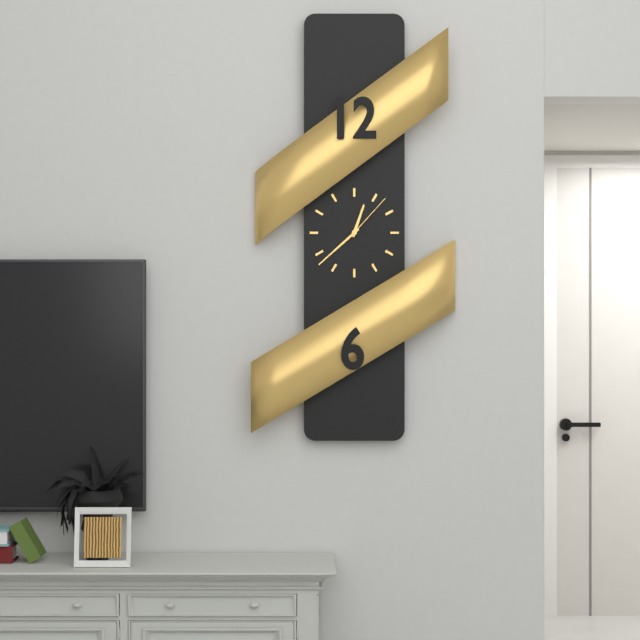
12:38:07
